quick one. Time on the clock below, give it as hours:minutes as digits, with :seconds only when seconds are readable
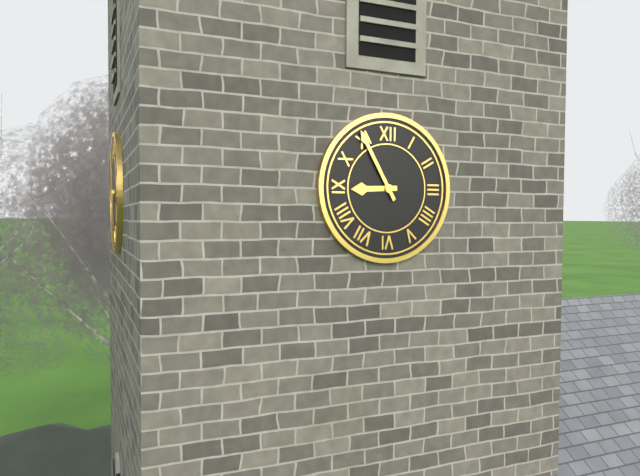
8:55
